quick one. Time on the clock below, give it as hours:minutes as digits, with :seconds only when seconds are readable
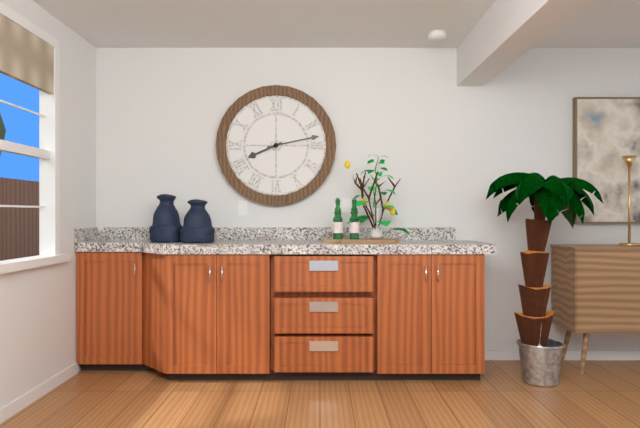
8:13
